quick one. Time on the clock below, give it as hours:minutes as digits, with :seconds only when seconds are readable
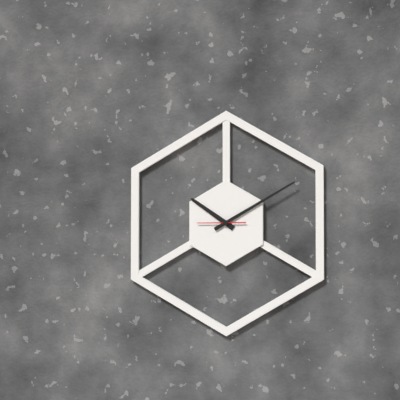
10:10
